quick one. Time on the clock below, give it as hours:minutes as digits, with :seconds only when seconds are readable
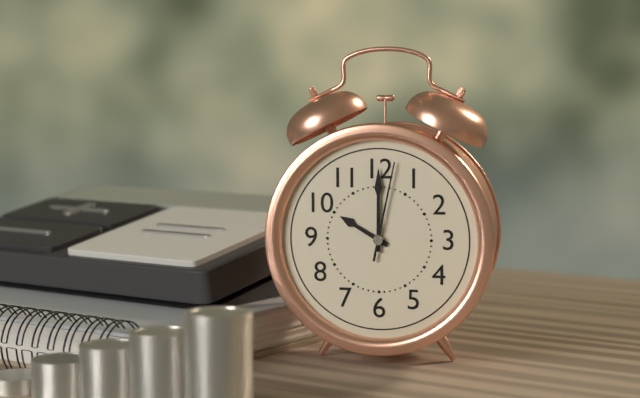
10:00:02
